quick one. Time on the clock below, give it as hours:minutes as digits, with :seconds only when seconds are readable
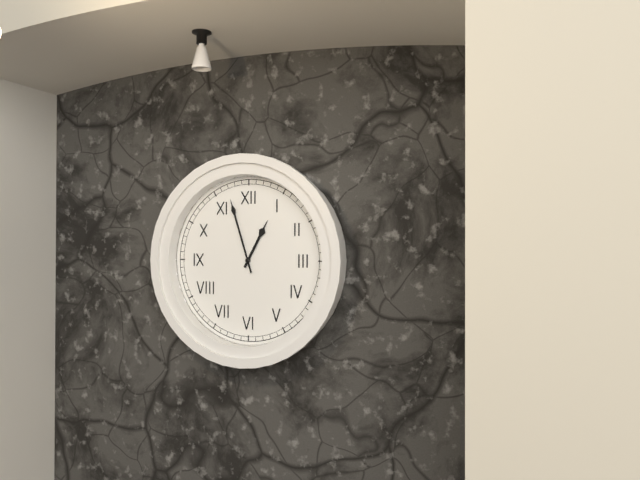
12:57
